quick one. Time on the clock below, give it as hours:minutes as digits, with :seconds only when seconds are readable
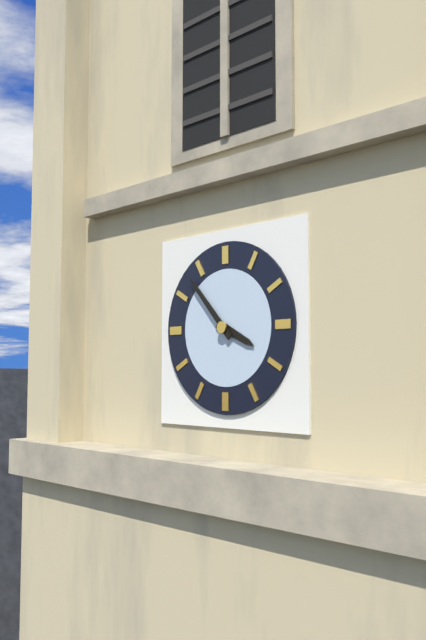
3:53
